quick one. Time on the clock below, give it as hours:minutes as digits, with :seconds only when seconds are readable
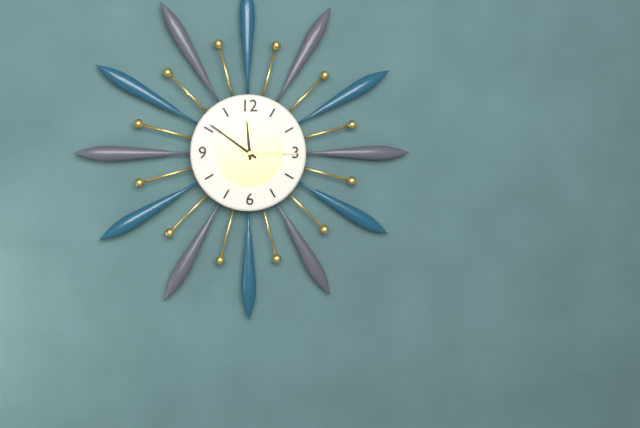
11:51:15
